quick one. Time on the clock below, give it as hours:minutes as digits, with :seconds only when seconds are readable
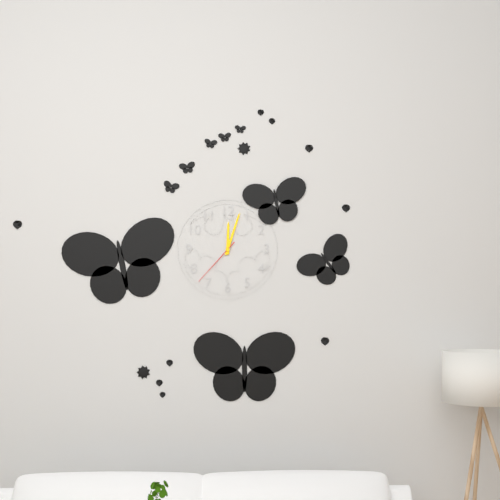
12:03:37
